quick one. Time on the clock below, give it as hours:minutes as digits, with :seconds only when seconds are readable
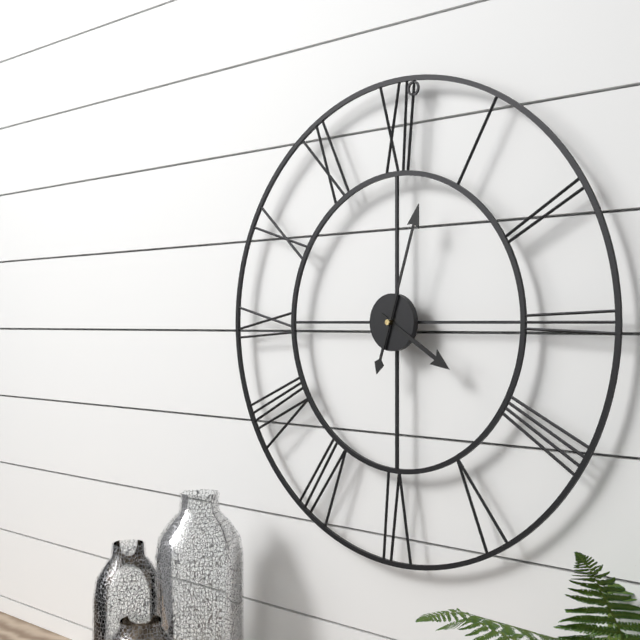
4:03
